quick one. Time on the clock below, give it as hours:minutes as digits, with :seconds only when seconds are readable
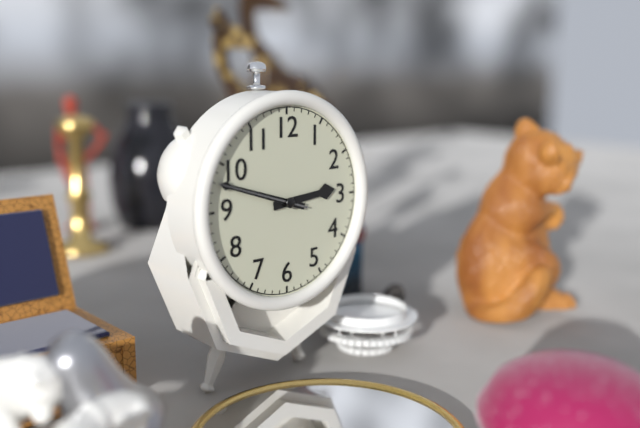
2:48:48
